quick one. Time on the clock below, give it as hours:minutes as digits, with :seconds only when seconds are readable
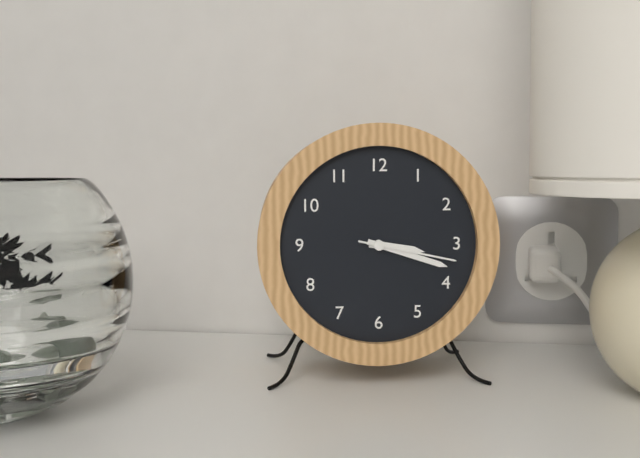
3:18:17
